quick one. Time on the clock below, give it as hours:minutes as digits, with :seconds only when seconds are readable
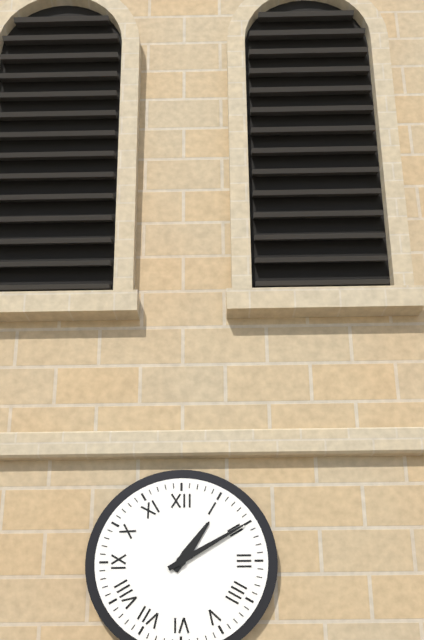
1:10
